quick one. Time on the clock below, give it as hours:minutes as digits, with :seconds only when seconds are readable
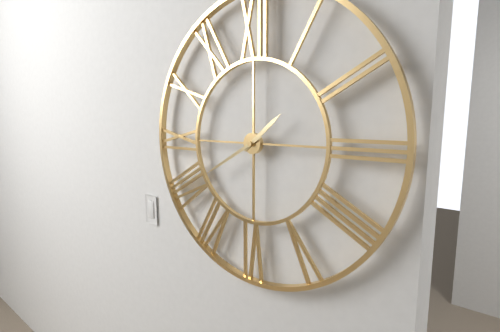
1:40
